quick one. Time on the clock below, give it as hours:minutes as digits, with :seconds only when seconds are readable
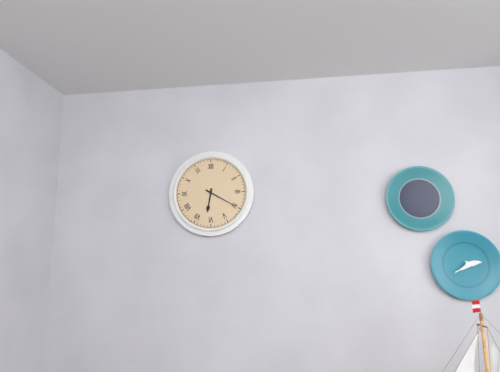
6:20
